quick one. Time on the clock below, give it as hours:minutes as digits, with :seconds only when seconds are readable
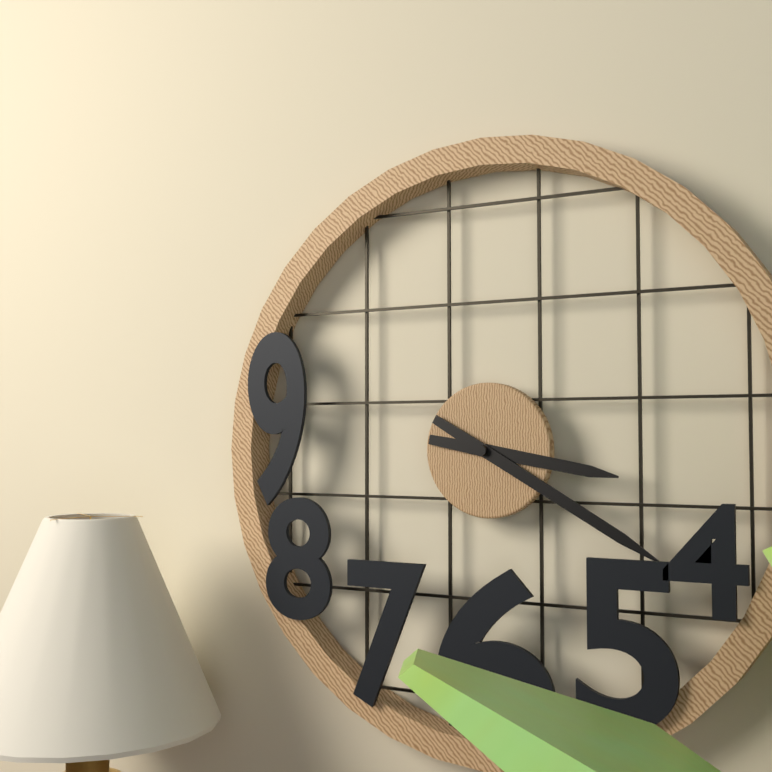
3:20
